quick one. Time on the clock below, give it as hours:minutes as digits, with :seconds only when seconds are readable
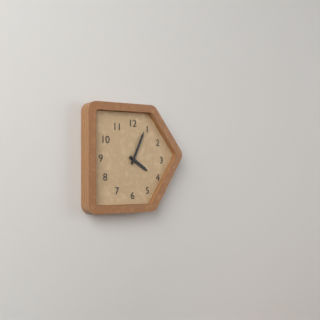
4:04
